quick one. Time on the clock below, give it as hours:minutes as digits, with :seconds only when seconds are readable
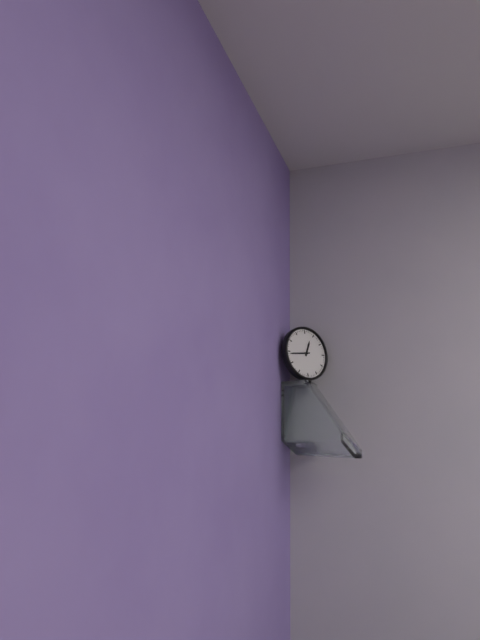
12:44
